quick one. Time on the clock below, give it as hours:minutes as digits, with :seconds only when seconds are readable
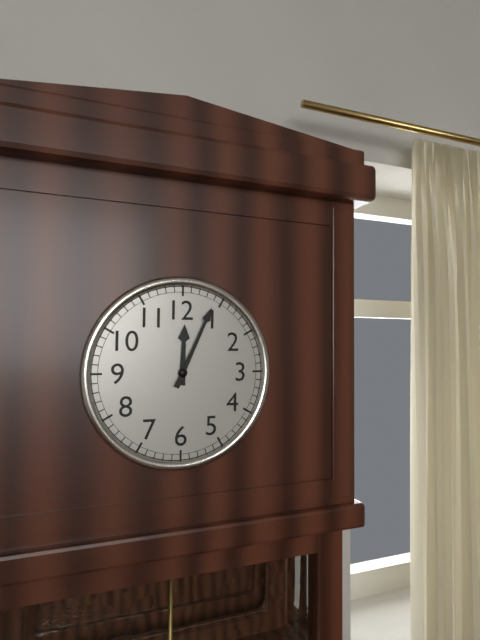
12:04
